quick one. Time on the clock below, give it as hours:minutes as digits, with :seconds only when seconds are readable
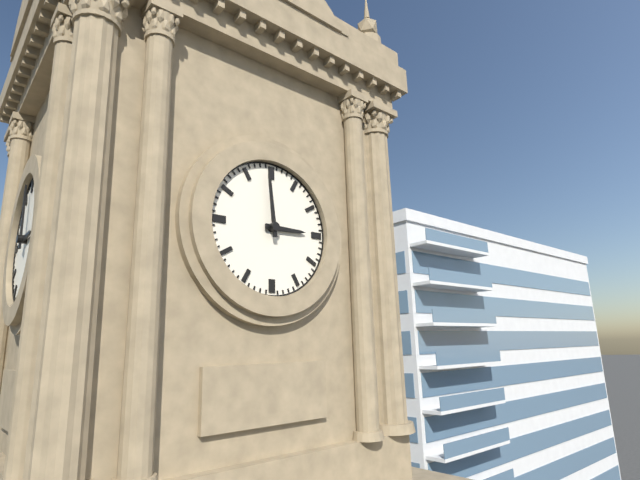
2:59
